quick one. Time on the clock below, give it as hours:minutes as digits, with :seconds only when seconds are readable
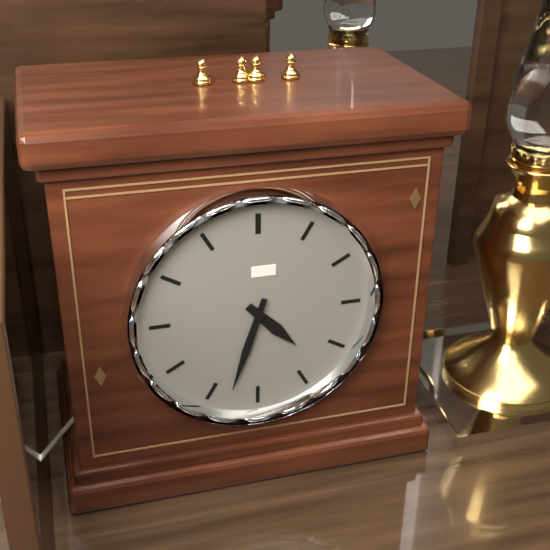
4:33
